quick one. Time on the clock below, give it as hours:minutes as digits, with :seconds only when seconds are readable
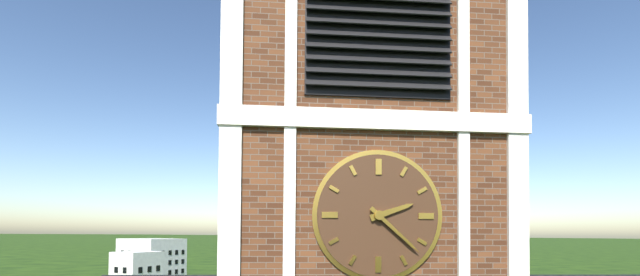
2:22
